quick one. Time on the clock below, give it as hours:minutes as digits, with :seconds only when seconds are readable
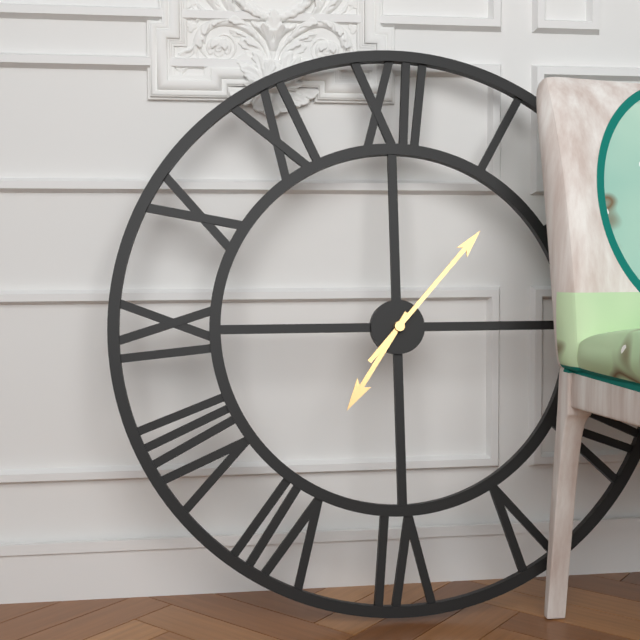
7:07
